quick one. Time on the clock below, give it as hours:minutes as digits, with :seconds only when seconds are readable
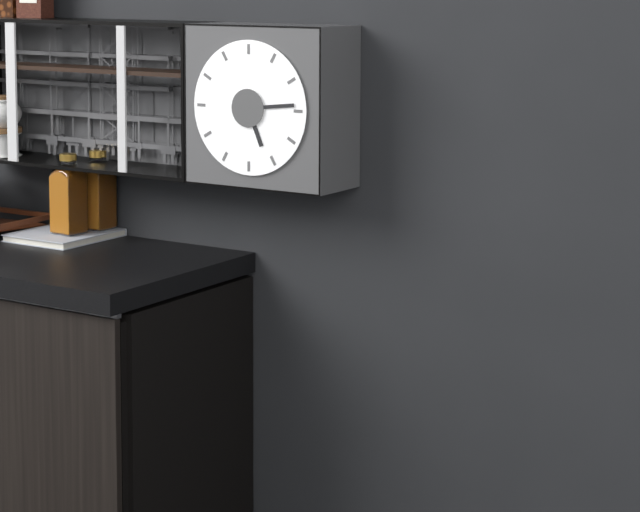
5:14
